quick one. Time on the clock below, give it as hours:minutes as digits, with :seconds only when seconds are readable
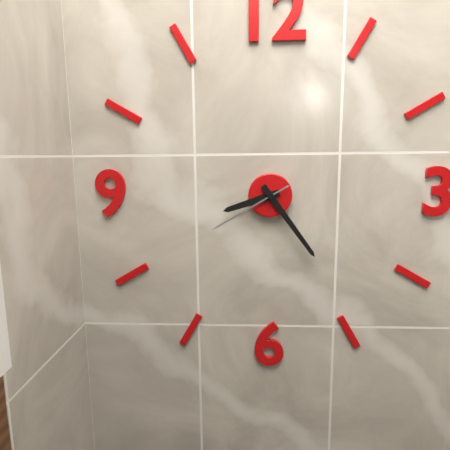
8:24:40
